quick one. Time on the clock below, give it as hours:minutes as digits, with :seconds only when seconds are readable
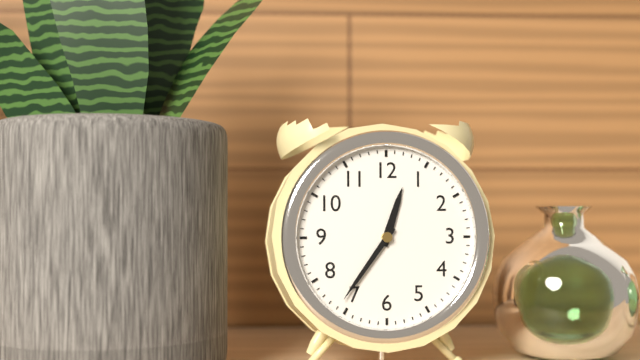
12:36
